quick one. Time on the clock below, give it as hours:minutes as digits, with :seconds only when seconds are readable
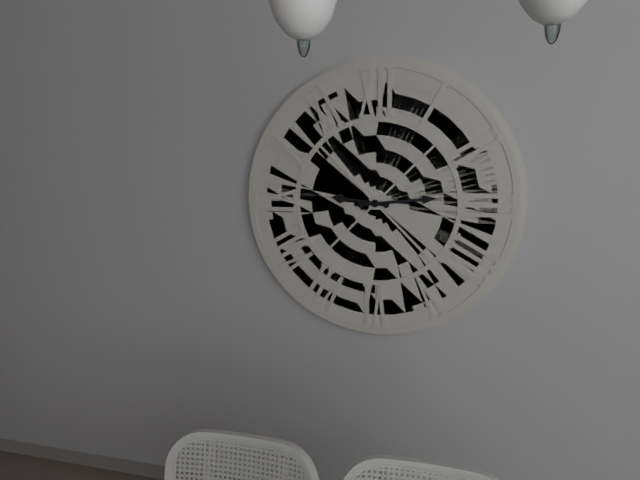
9:14
